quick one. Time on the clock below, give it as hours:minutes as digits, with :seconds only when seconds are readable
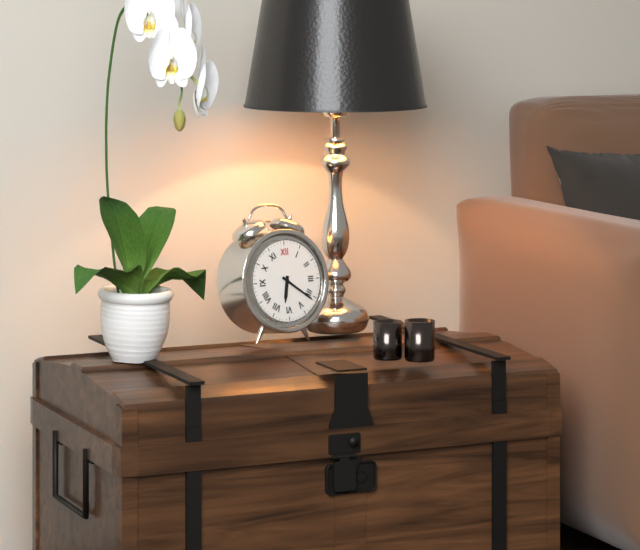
6:21
